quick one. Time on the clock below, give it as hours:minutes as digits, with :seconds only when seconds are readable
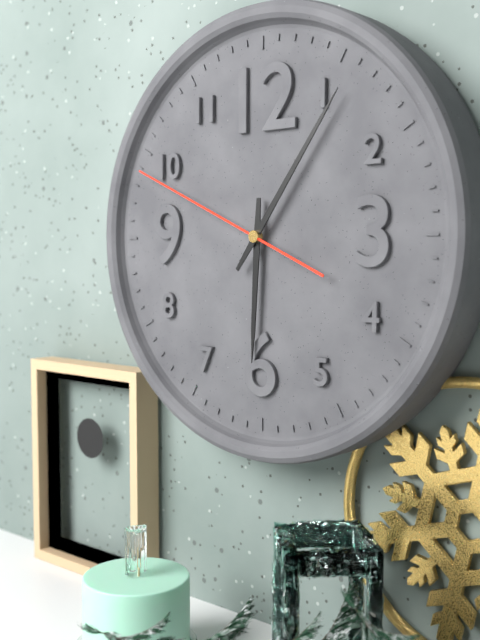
6:06:49
